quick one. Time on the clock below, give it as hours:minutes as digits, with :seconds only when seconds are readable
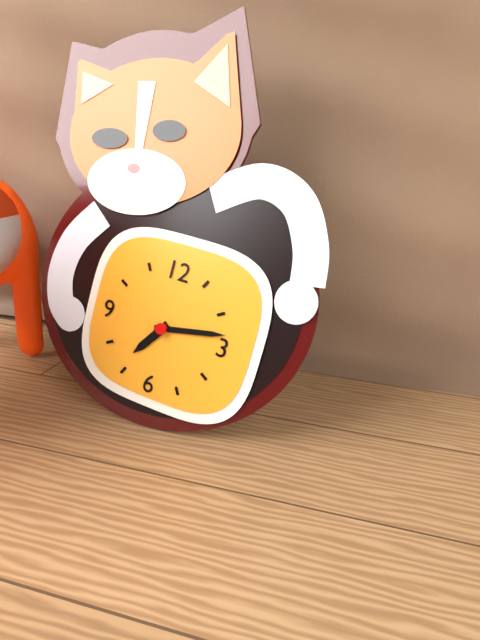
7:13
